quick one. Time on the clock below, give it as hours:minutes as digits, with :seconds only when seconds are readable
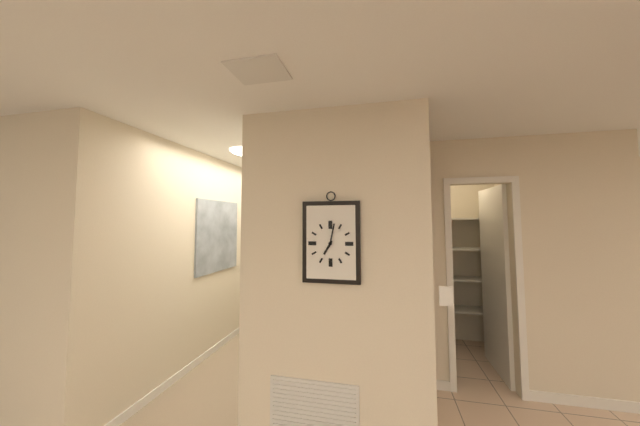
7:02
